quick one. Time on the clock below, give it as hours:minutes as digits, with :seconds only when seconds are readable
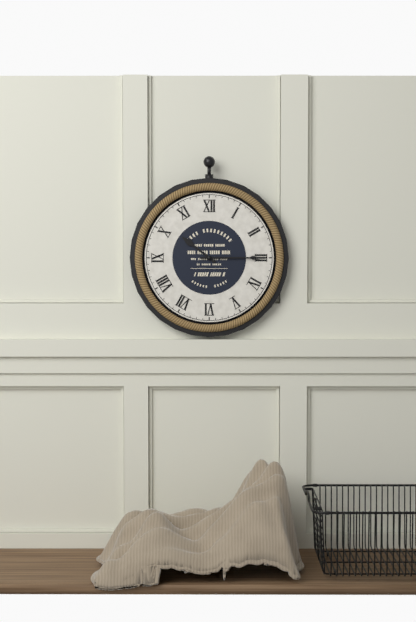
10:15
